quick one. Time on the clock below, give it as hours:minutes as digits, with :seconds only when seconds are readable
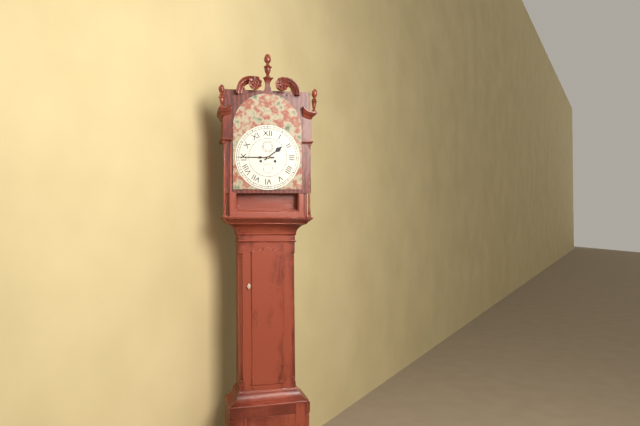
1:45
